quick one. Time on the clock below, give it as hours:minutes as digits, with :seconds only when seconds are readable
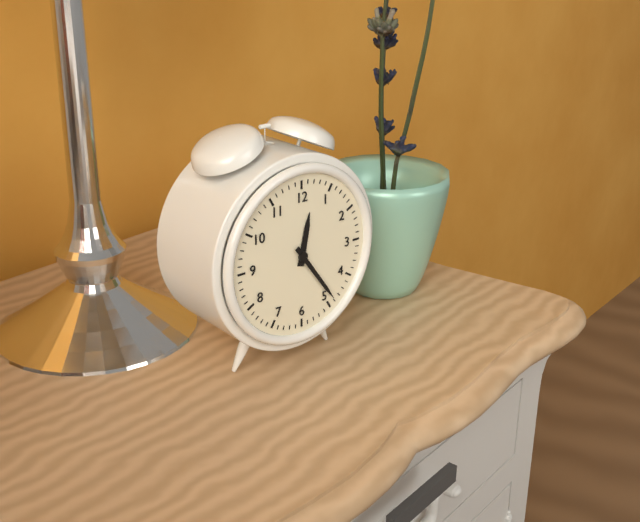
12:24
